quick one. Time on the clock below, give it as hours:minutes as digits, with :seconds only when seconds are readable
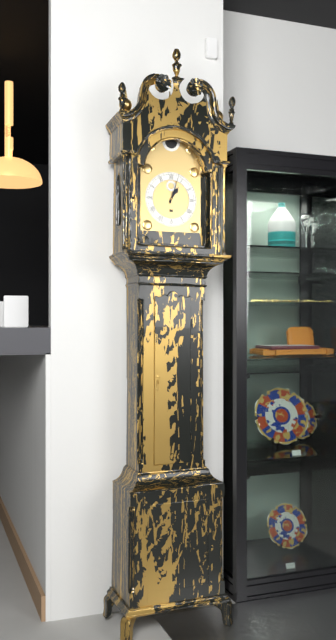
1:03
